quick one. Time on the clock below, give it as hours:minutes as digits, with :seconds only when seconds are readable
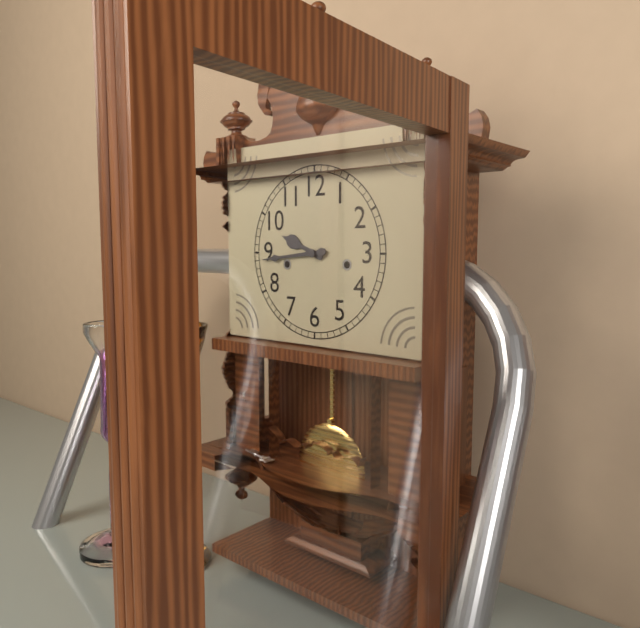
9:44
